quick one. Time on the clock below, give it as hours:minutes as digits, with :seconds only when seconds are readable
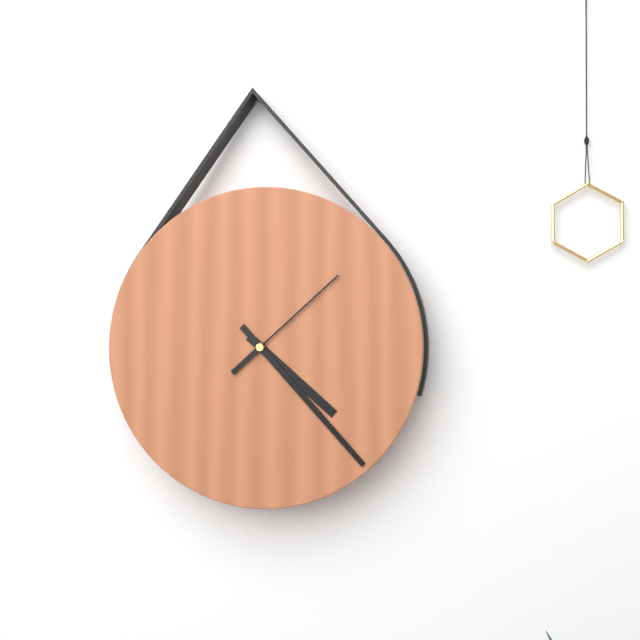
4:23:08
